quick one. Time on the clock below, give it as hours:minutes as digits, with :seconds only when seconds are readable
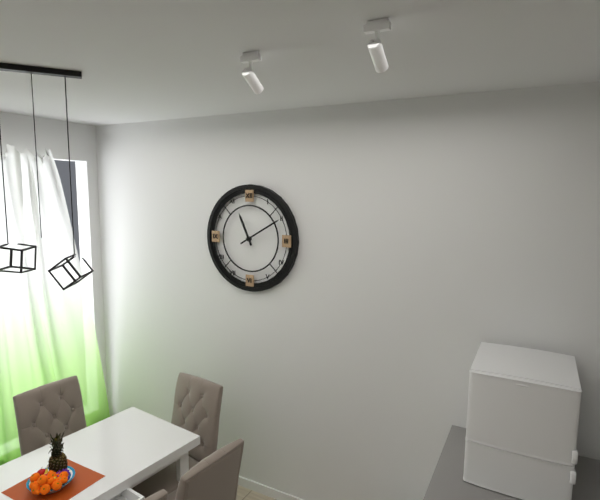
11:10
